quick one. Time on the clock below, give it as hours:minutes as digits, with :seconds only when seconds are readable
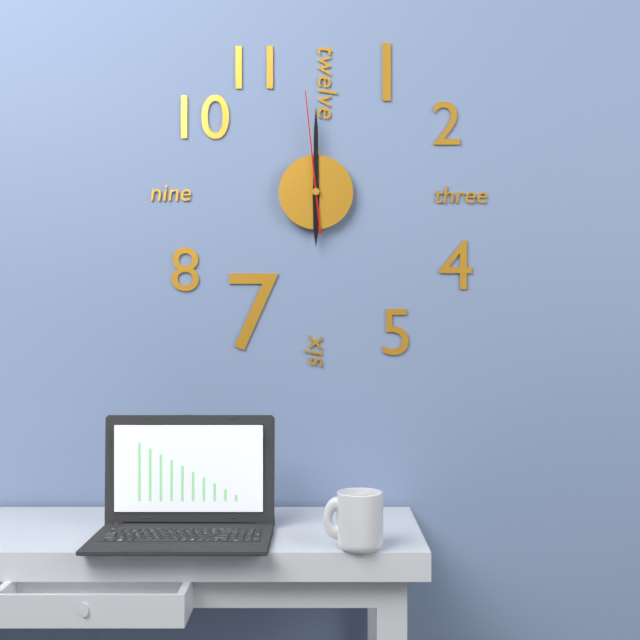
6:00:59
